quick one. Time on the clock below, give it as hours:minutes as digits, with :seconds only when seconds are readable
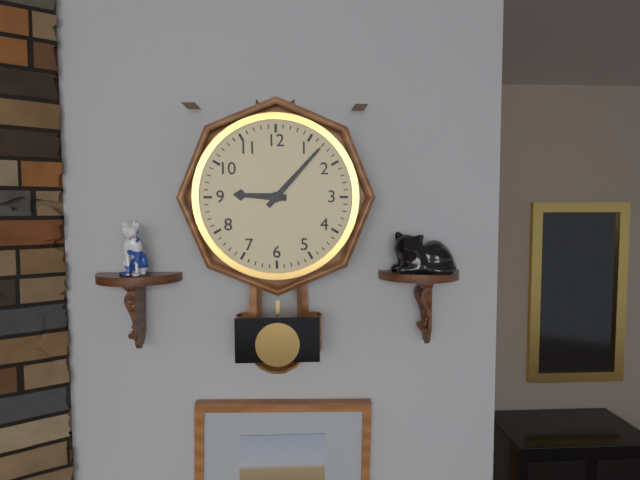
9:07
